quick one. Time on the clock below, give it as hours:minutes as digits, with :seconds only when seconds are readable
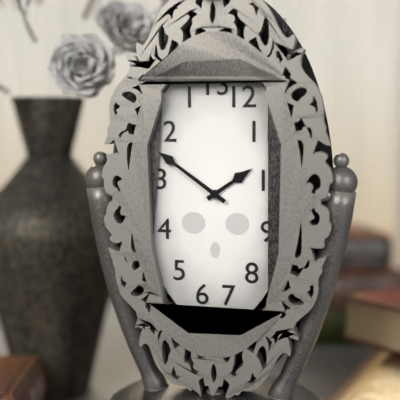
1:51
